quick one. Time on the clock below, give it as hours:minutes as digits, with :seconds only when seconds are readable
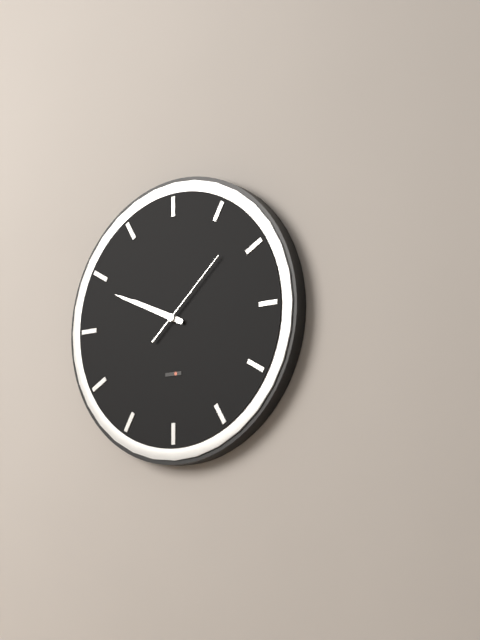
9:49:08
